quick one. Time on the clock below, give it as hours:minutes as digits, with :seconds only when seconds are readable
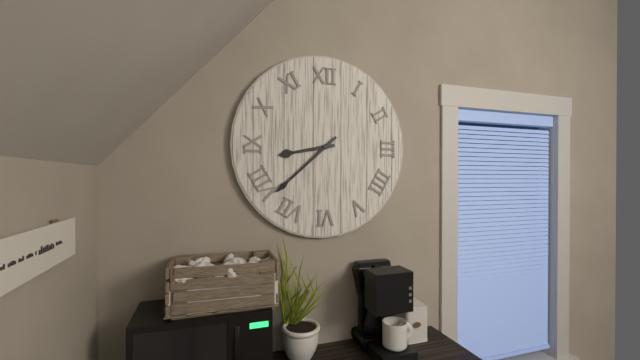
8:38
